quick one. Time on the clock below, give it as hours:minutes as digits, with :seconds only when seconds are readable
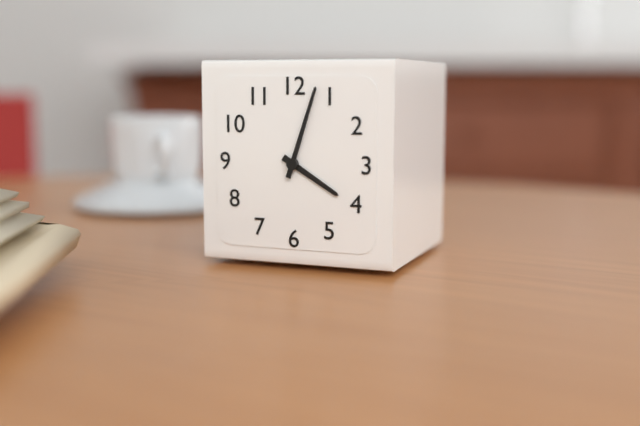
4:03
